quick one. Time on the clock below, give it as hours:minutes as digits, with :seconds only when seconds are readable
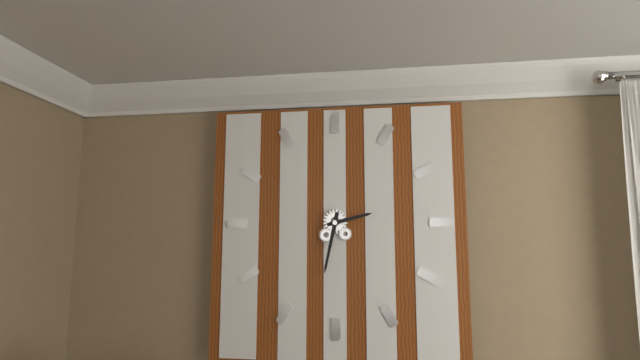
2:32
